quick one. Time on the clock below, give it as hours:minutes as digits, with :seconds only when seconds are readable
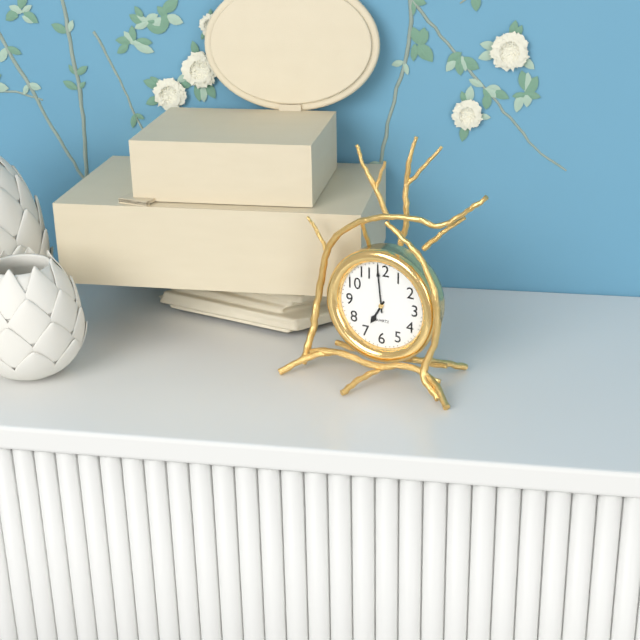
6:59
